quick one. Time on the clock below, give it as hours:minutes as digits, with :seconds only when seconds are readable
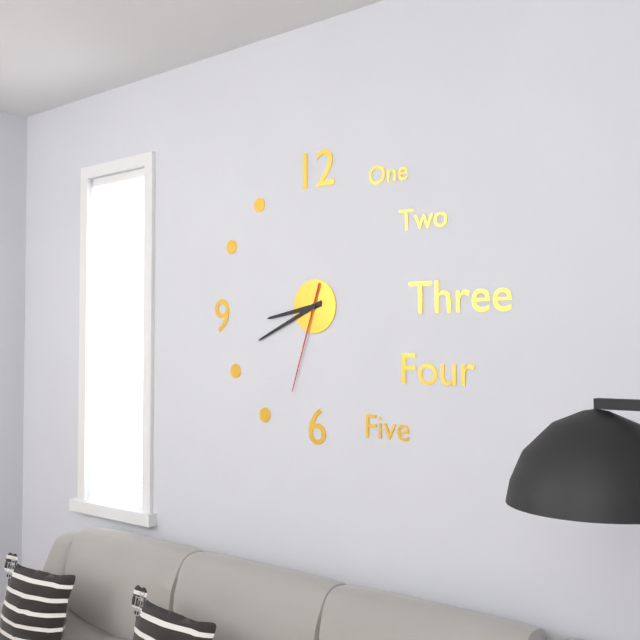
8:41:33
